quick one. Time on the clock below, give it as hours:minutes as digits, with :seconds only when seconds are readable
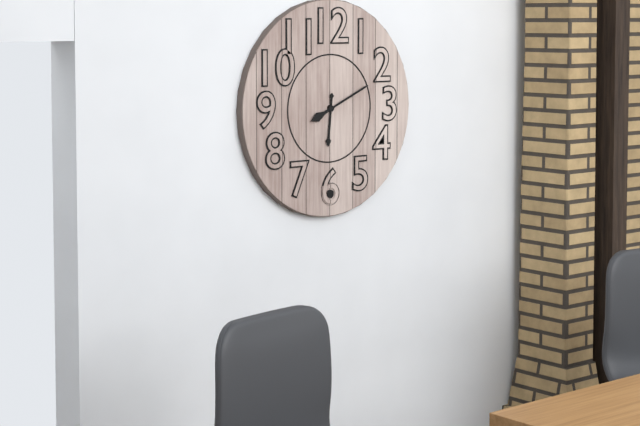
6:11
